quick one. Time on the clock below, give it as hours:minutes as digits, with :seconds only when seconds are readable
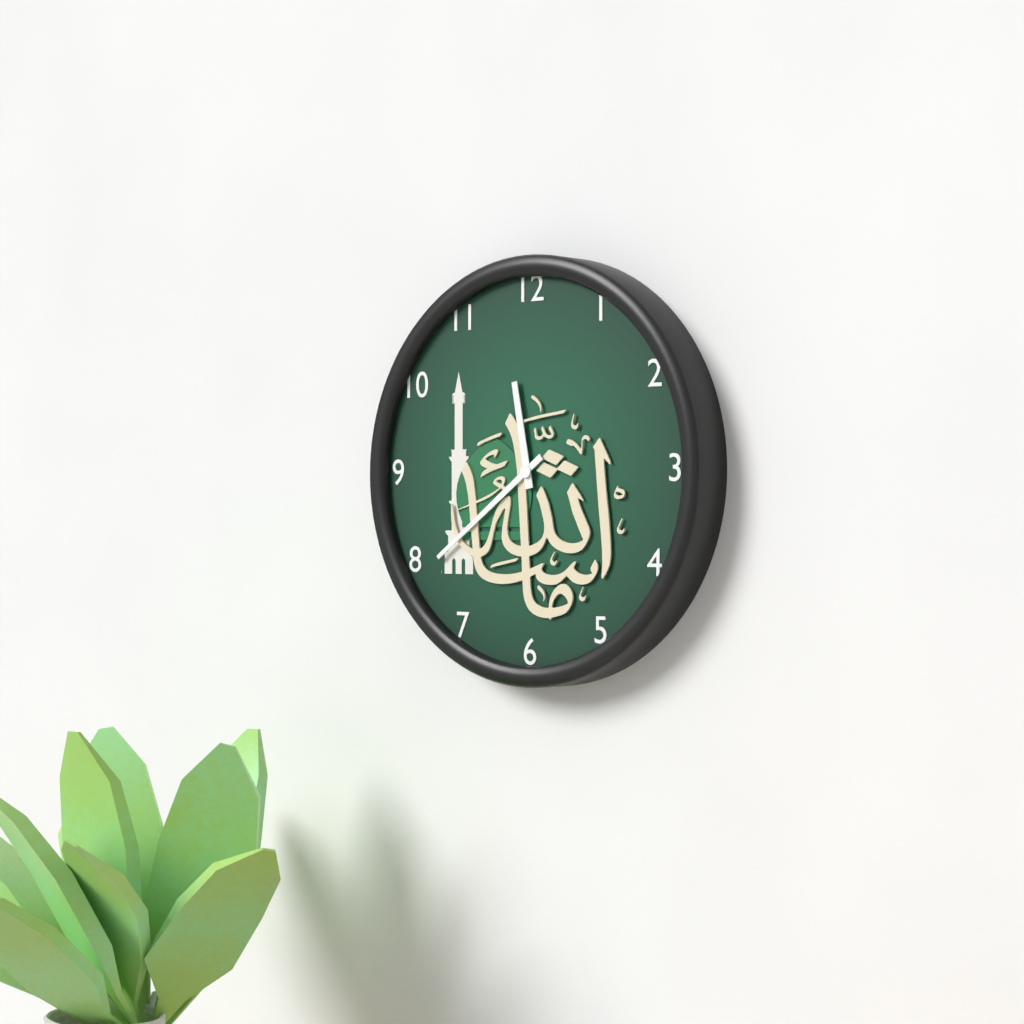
11:39
